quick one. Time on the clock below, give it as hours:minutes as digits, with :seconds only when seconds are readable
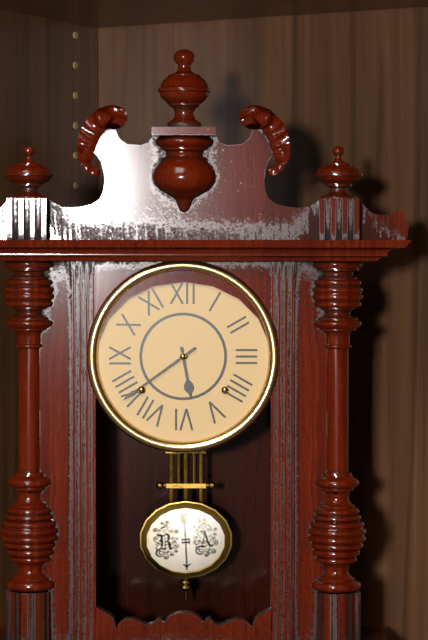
5:39
